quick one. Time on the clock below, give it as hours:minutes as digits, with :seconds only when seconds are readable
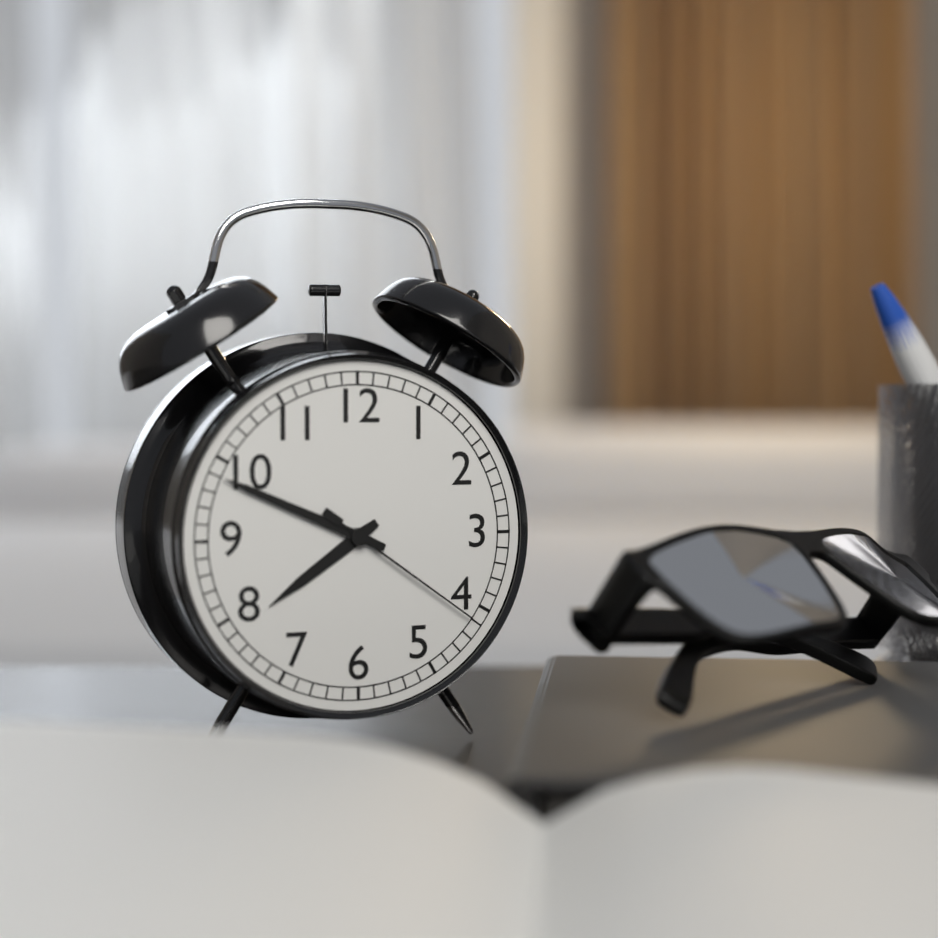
7:49:21
